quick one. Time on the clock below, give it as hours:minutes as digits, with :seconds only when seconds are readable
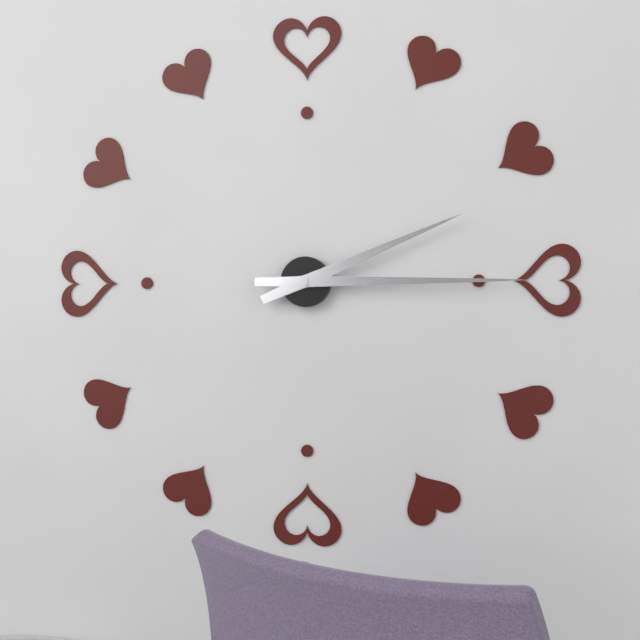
2:15
